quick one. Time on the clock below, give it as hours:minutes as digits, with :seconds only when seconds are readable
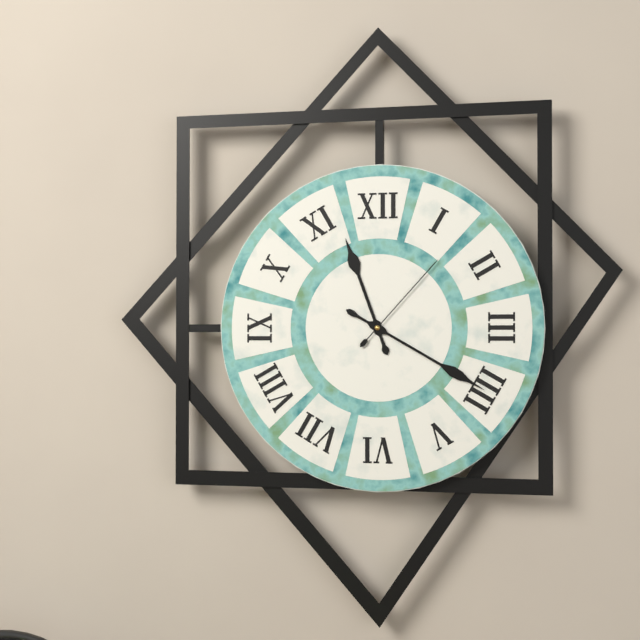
11:20:07
